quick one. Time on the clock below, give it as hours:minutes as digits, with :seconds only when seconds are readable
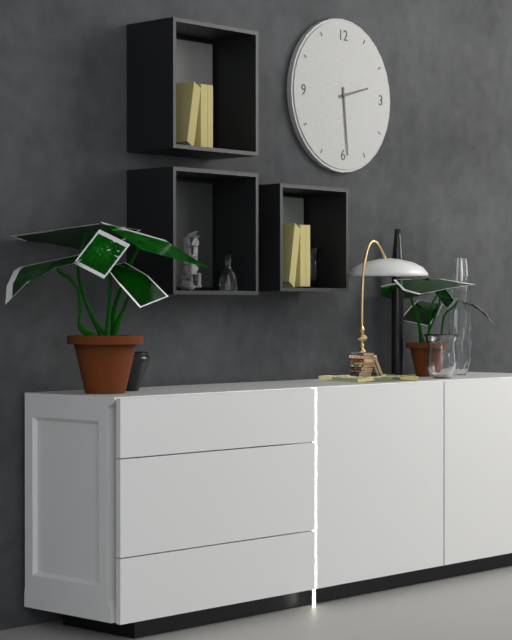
2:29
